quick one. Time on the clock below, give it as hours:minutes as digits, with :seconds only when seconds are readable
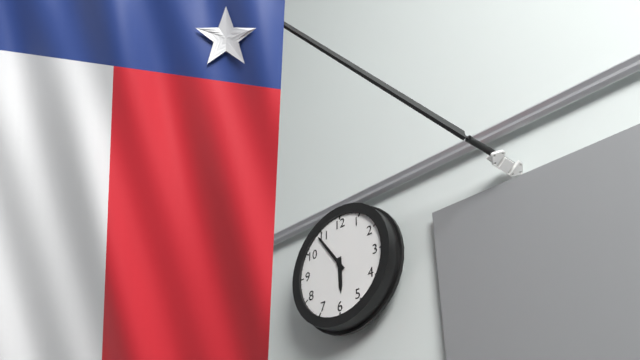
5:54
